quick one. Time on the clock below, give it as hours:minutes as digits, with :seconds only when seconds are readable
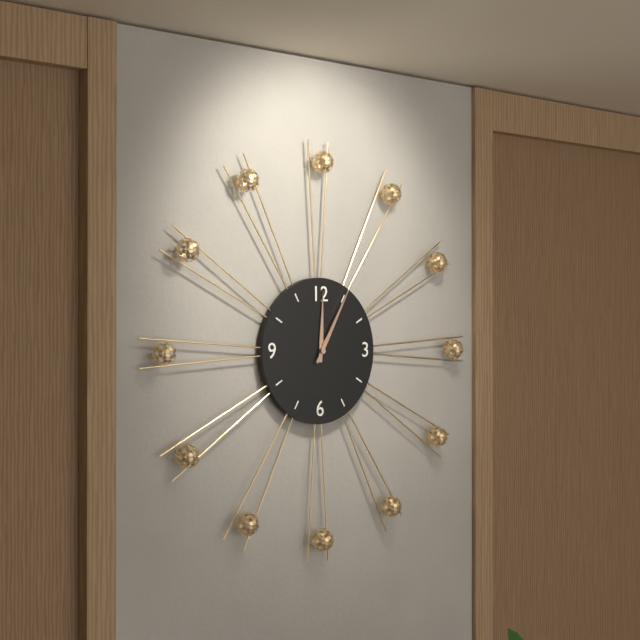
12:05
